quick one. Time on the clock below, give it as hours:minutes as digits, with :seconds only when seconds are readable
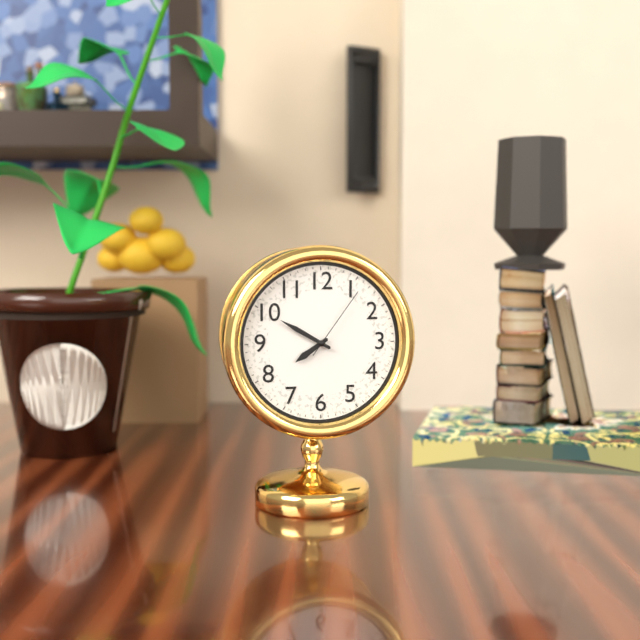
7:50:06
